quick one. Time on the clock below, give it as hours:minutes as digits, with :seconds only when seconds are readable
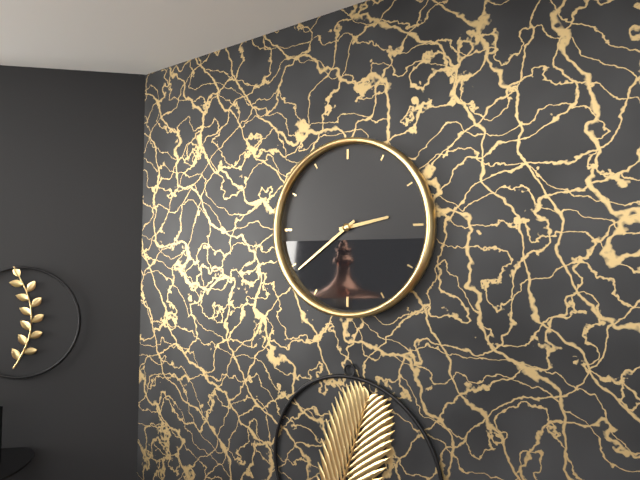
2:39
